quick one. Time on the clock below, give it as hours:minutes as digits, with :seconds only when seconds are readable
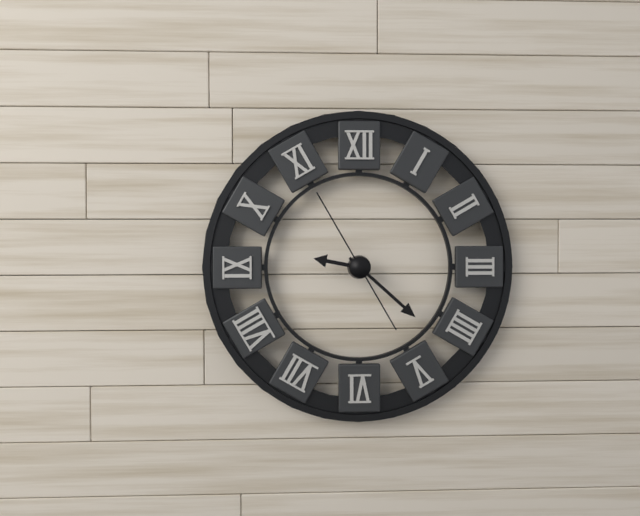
9:22:55
